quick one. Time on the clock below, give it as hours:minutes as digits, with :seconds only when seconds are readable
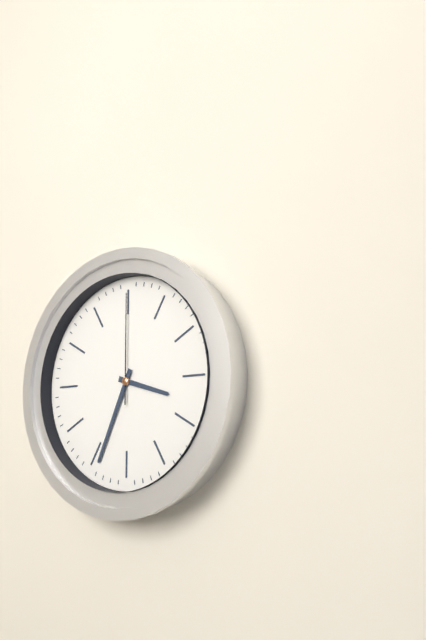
3:34:00
